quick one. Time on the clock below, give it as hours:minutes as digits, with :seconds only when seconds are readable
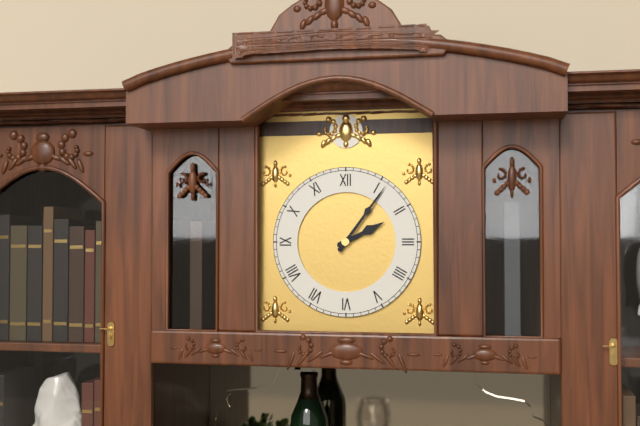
2:06
